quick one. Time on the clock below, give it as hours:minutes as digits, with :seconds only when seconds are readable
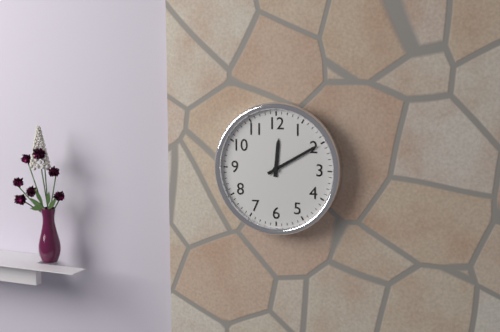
12:10
